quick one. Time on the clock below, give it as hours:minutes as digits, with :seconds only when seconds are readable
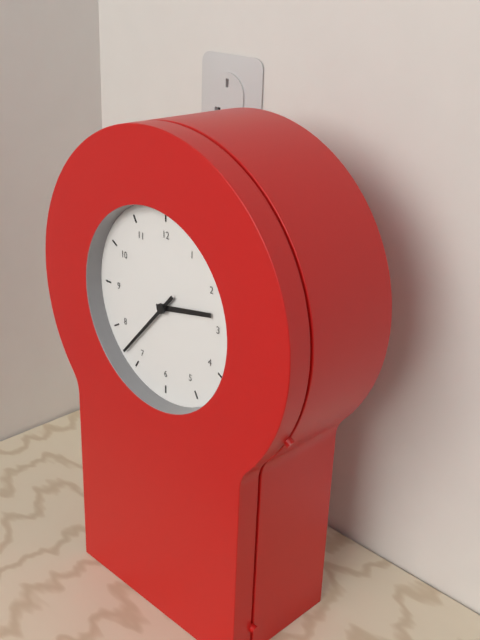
2:37
